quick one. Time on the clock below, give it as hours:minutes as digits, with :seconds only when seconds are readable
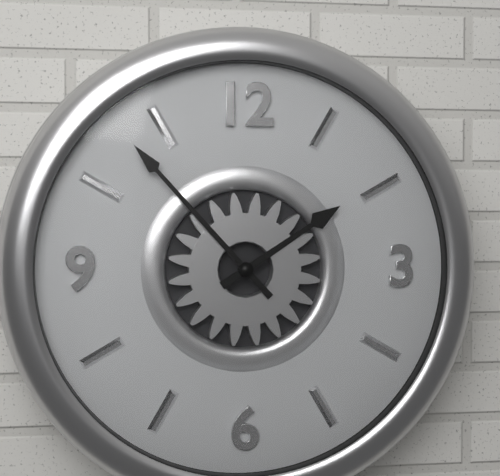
1:53
